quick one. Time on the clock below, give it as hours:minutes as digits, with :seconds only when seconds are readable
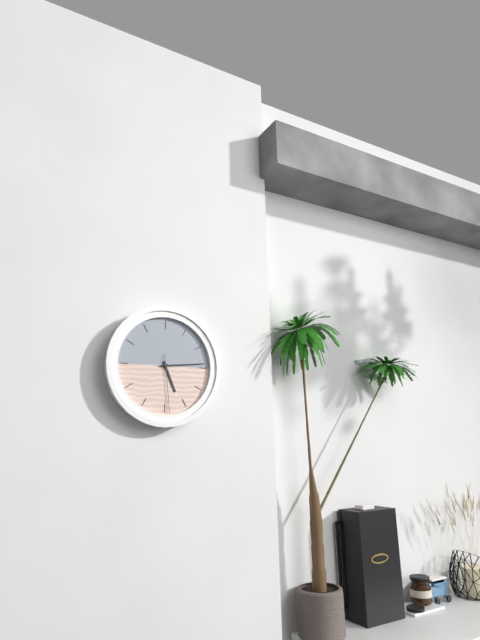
5:14:29
